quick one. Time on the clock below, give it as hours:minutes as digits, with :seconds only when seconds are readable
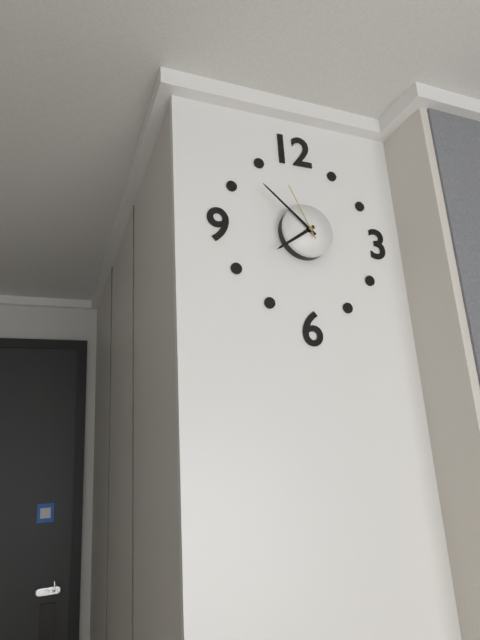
7:52:56
